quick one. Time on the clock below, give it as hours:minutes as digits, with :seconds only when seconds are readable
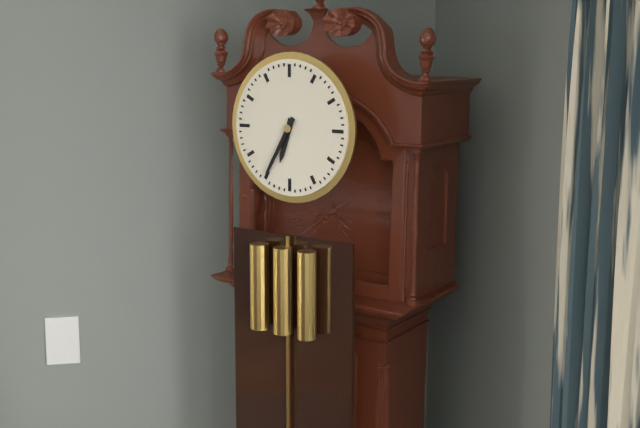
6:35
